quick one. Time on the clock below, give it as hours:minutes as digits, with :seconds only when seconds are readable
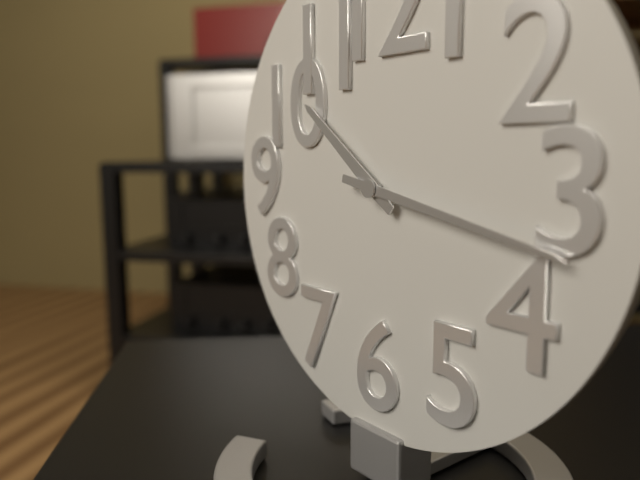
10:17
